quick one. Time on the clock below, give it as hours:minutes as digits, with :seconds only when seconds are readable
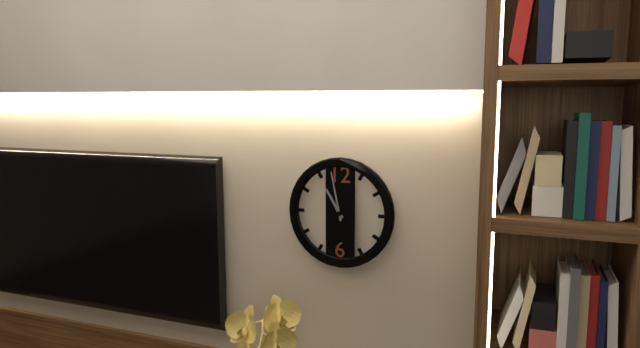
10:58
